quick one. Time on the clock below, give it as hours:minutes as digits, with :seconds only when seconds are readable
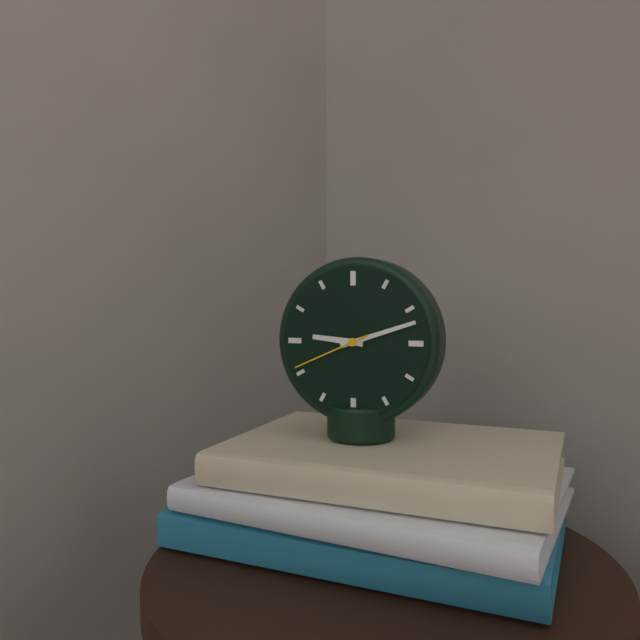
9:12:41
